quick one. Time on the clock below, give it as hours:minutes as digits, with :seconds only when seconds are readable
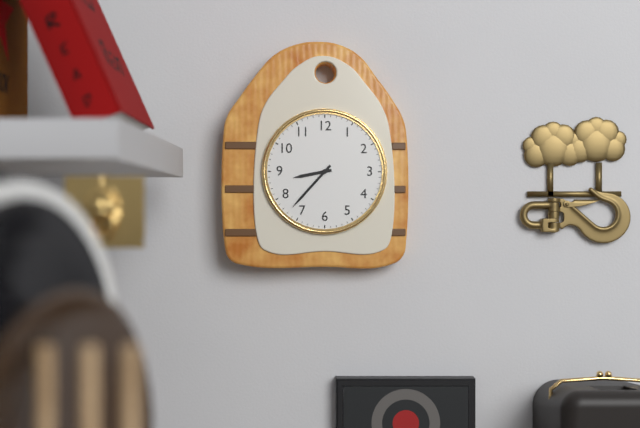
8:37
